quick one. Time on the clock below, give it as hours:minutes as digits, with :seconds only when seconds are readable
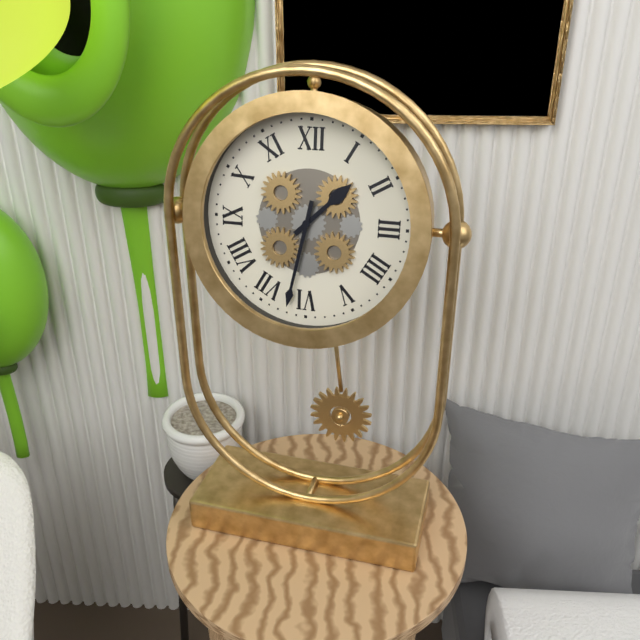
1:32
